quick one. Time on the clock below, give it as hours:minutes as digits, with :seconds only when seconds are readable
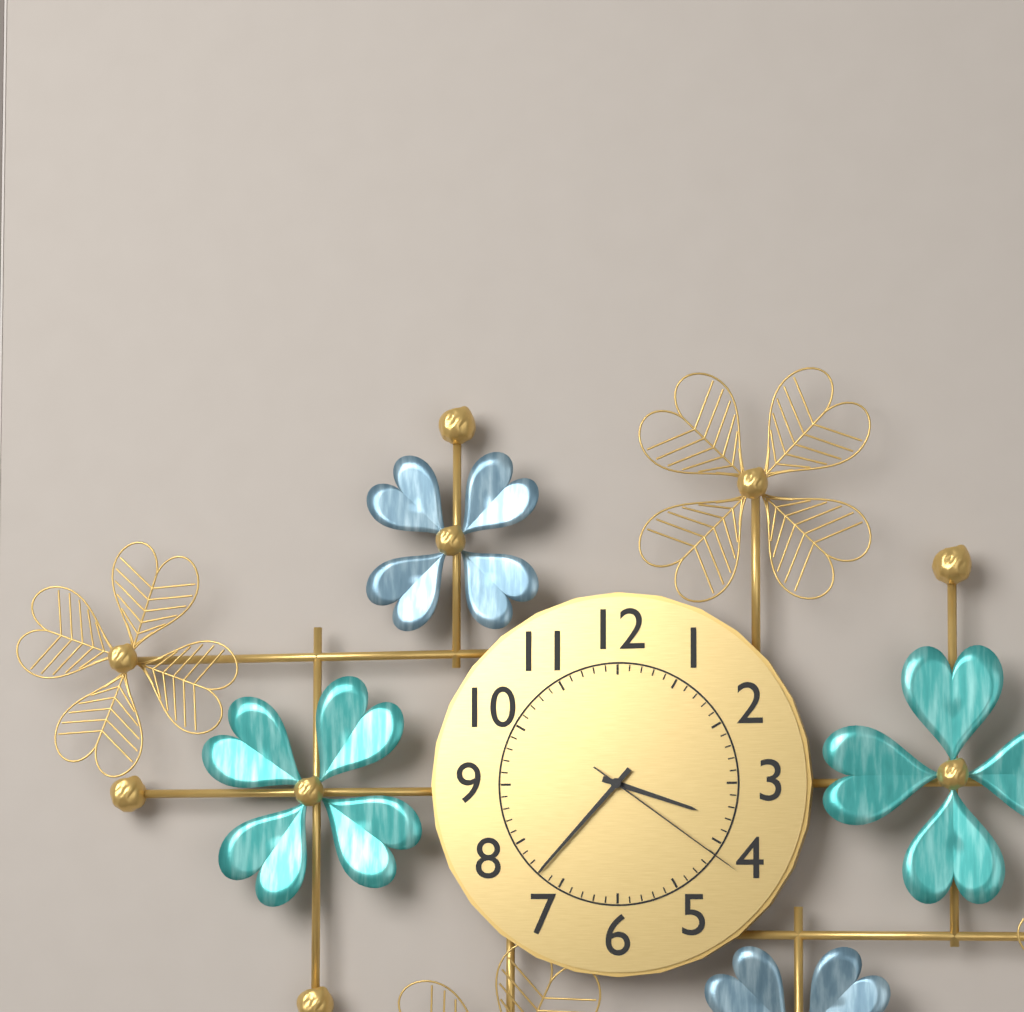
3:37:21
